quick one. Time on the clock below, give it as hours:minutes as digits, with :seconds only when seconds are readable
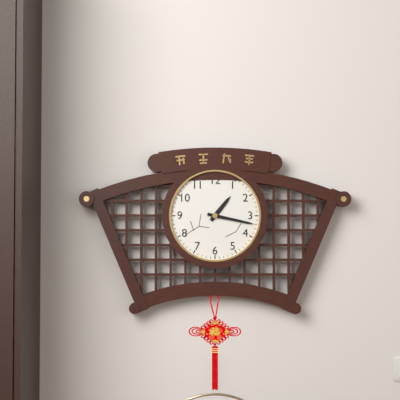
1:17
